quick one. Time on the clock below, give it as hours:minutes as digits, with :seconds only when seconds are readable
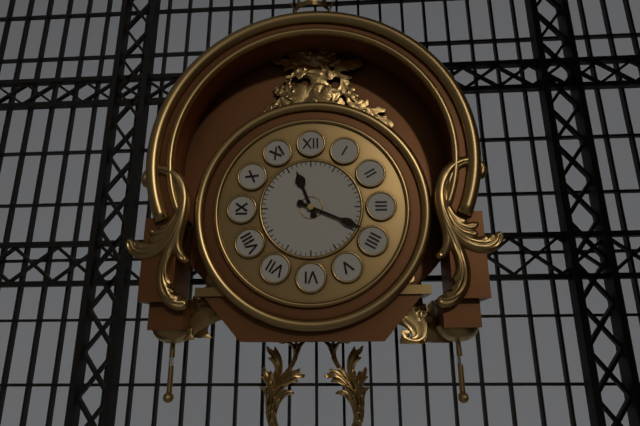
11:19
